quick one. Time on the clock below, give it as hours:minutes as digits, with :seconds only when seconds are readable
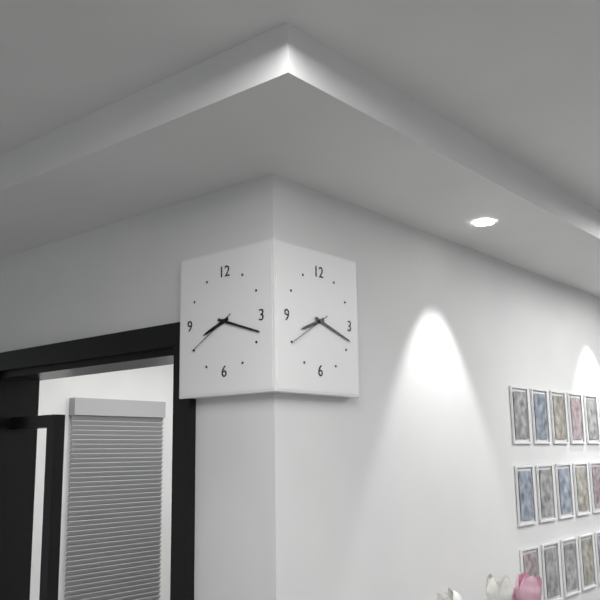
8:18:40
